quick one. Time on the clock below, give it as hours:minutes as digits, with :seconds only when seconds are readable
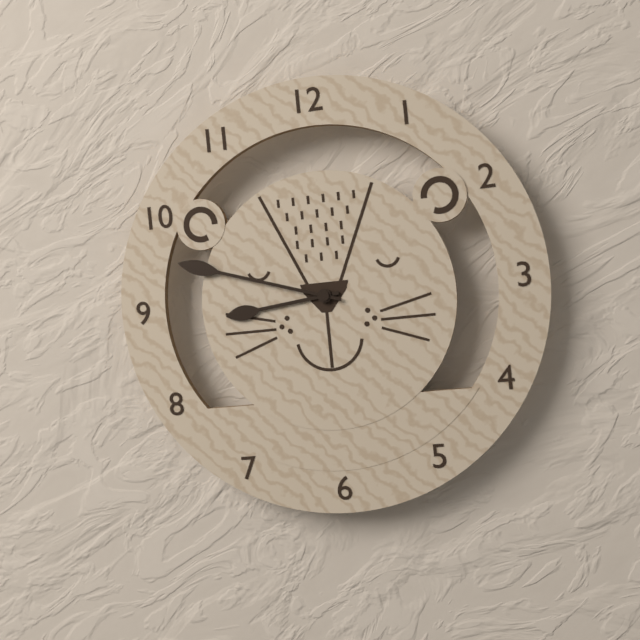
8:48
